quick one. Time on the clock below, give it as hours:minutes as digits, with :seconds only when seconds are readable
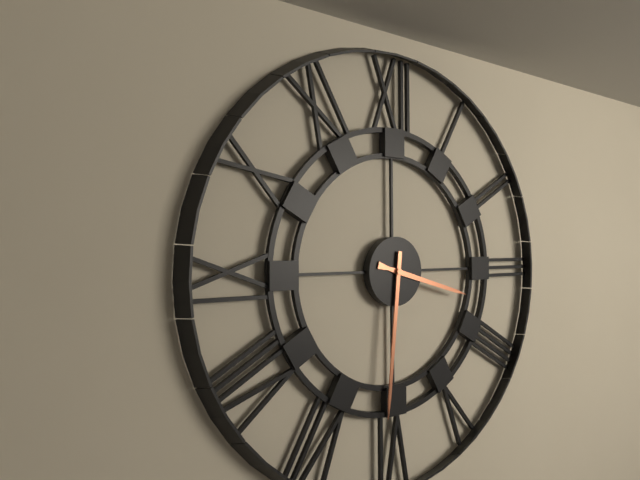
3:31
